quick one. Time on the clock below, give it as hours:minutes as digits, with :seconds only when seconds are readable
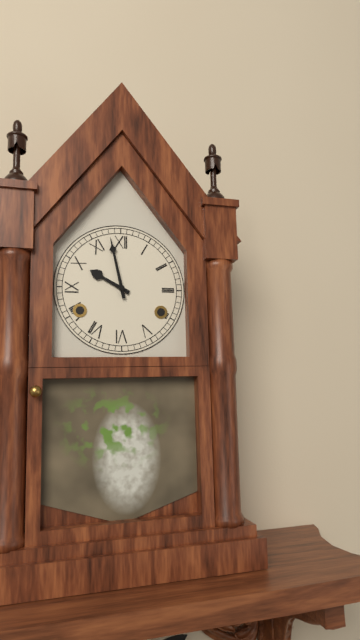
9:58
